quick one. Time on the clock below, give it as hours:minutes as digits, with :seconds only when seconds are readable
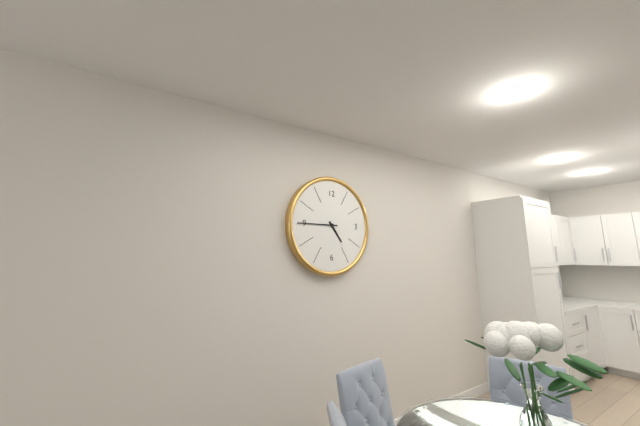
4:45
